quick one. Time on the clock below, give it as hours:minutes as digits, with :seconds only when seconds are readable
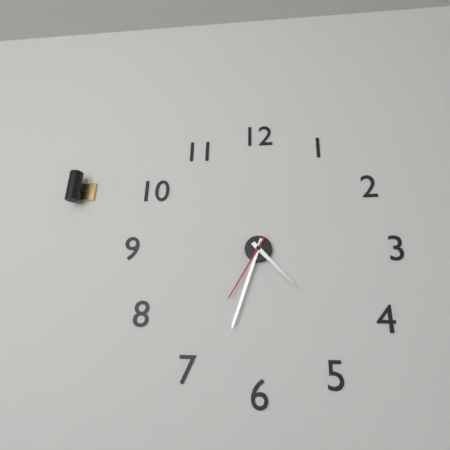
4:33:35
